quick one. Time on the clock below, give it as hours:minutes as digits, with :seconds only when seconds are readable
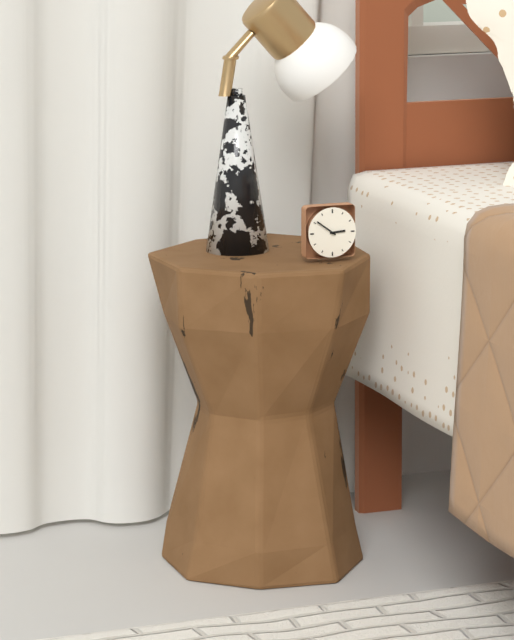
2:51
